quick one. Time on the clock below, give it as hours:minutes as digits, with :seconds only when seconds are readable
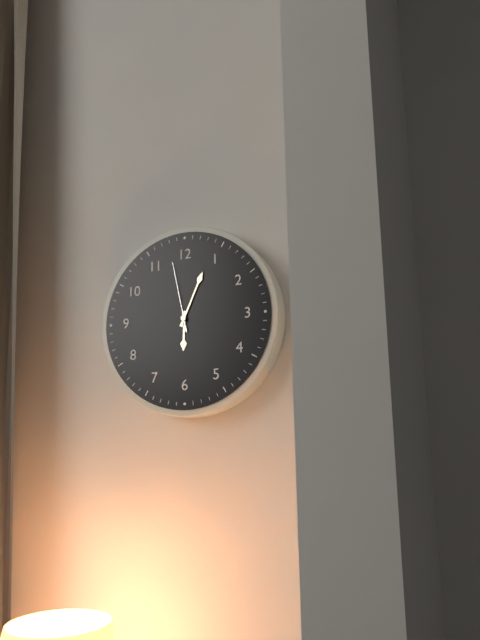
6:04:58
